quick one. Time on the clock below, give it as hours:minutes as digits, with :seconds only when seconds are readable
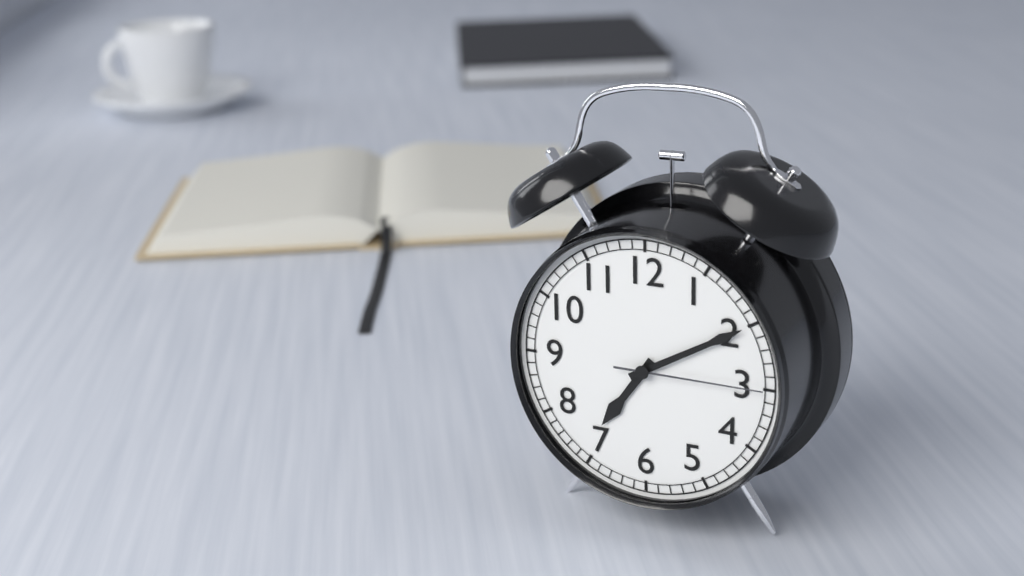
7:10:15
